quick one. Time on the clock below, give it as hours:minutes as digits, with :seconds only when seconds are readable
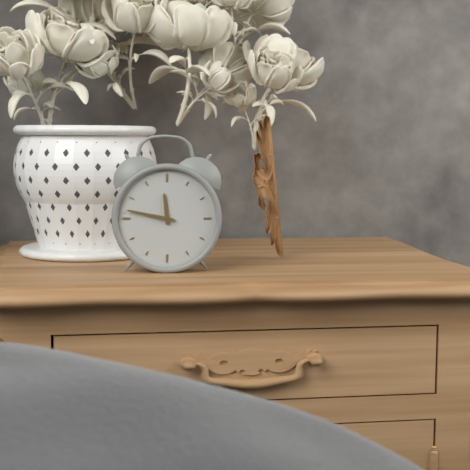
11:47
